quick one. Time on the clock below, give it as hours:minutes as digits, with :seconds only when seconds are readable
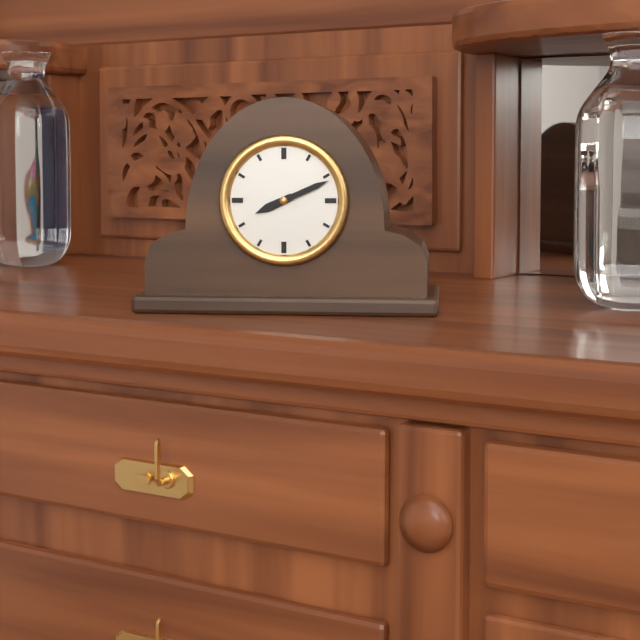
8:11
